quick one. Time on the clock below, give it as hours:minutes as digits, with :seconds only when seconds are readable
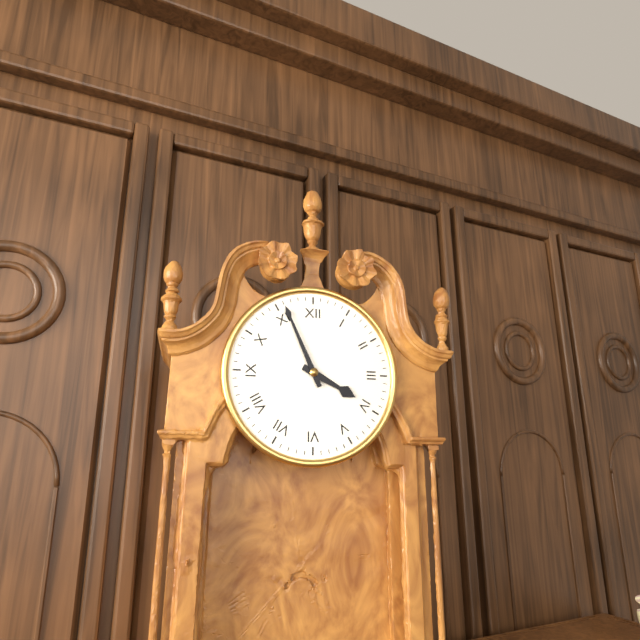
3:56
